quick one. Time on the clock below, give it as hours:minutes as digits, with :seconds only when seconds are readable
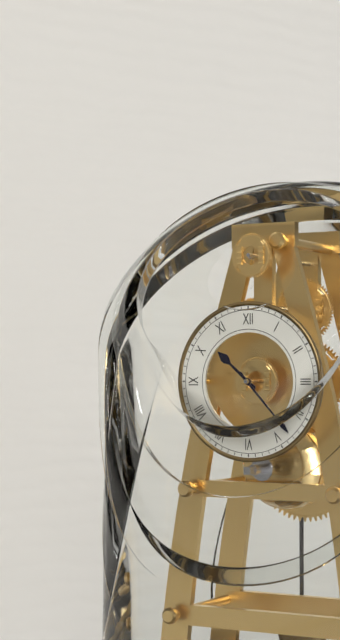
10:23
